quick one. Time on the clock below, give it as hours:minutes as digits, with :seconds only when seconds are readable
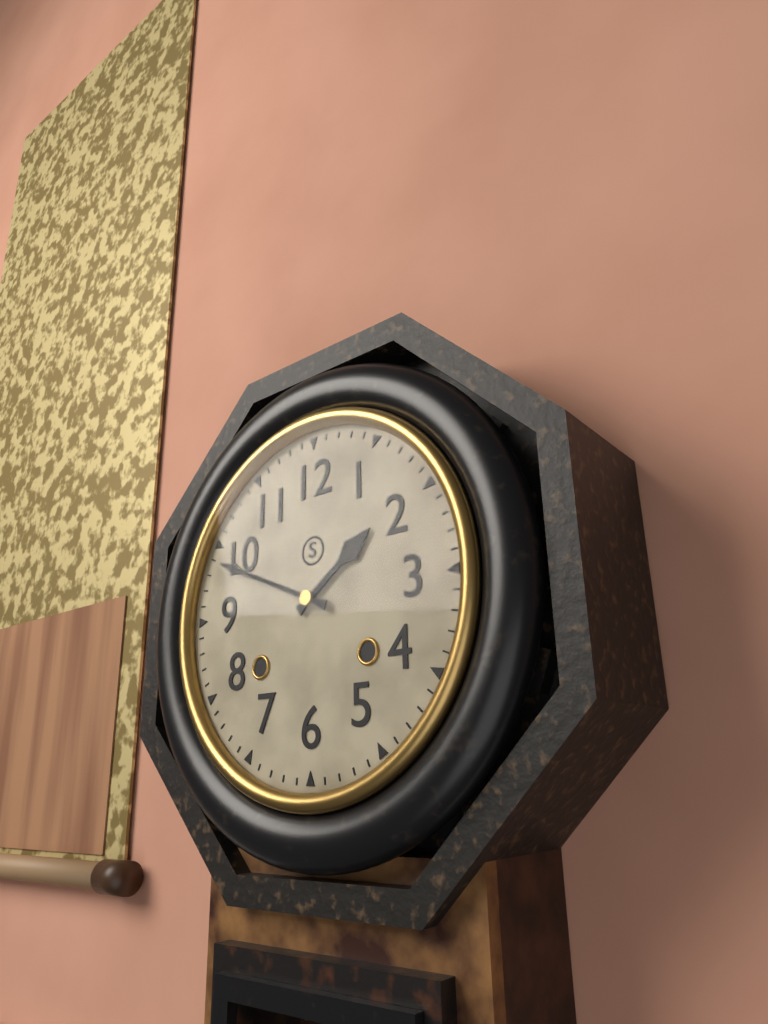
1:49
